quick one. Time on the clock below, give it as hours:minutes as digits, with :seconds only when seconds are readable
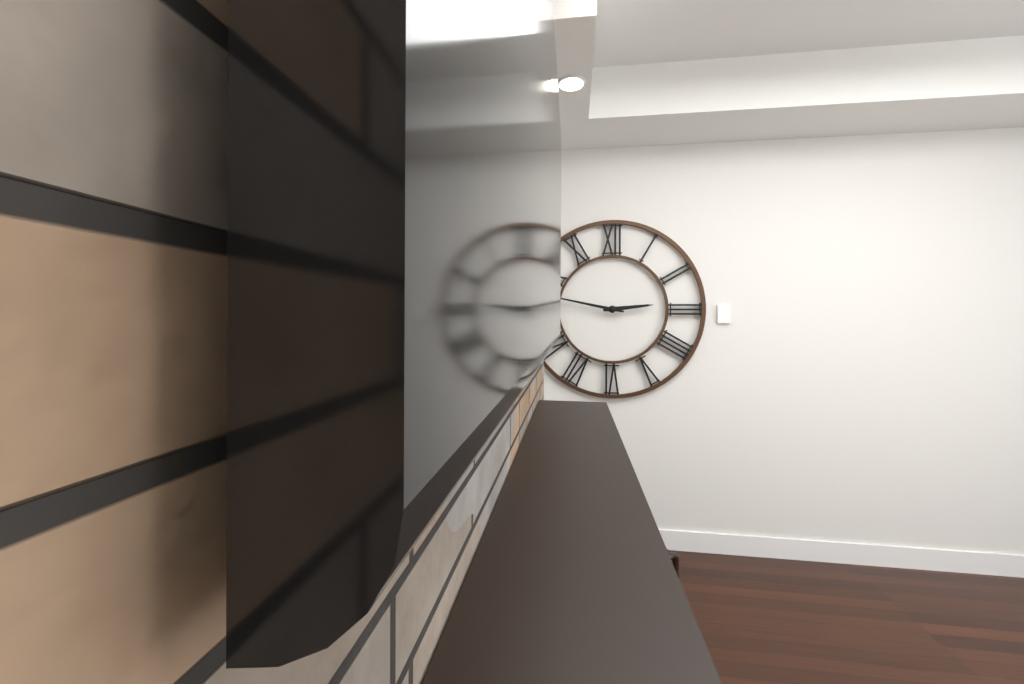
2:47
